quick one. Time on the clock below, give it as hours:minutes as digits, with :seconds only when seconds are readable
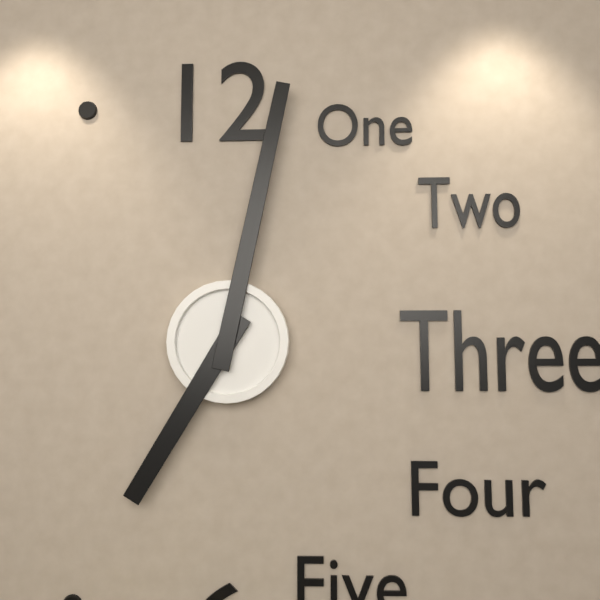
7:02
